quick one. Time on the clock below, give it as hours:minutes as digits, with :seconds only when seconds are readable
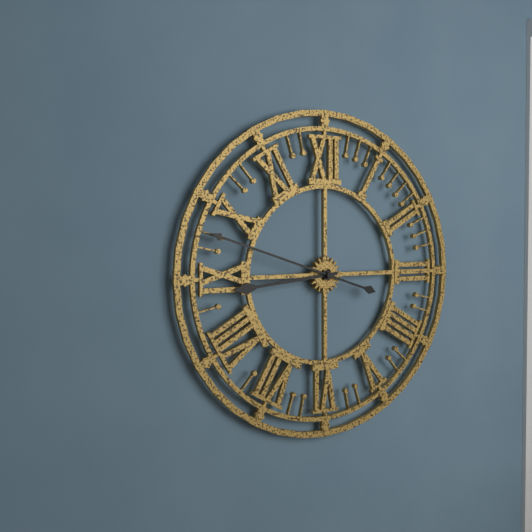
8:48
